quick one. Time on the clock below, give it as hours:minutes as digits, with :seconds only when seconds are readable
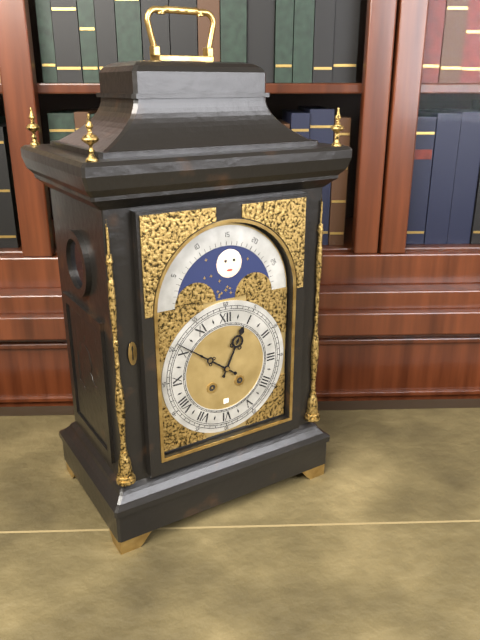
12:51
